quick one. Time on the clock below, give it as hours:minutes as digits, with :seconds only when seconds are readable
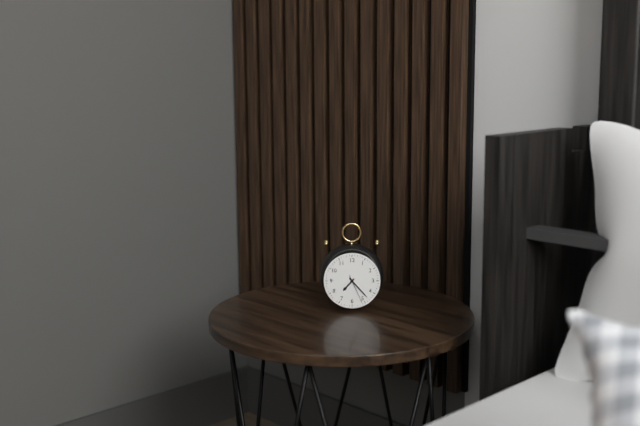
7:23
